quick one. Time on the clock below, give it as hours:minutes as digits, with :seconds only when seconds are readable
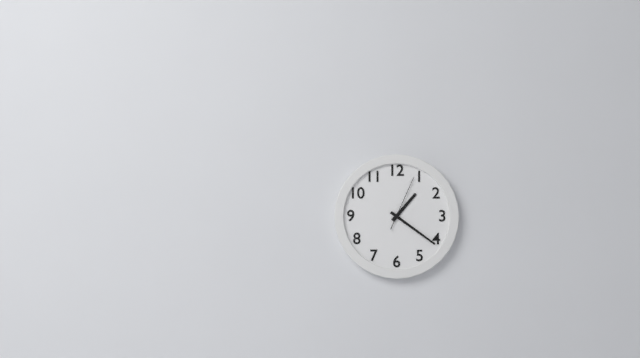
1:21:04
